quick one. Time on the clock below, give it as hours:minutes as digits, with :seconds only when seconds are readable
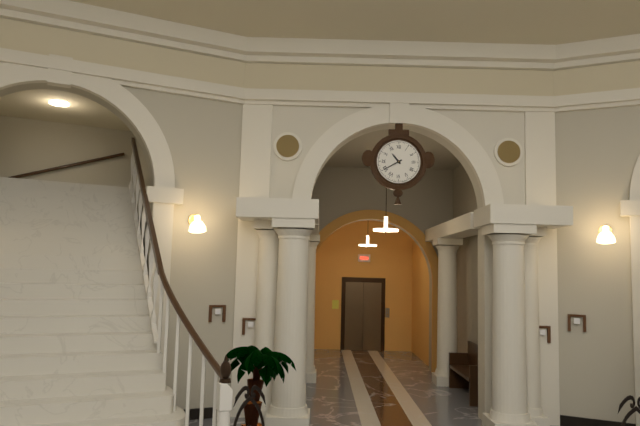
10:40
